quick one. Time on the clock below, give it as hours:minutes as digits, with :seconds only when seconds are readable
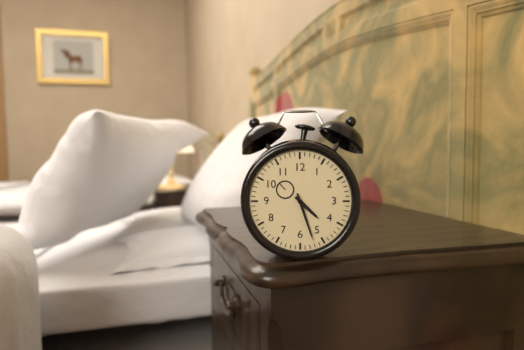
4:27
